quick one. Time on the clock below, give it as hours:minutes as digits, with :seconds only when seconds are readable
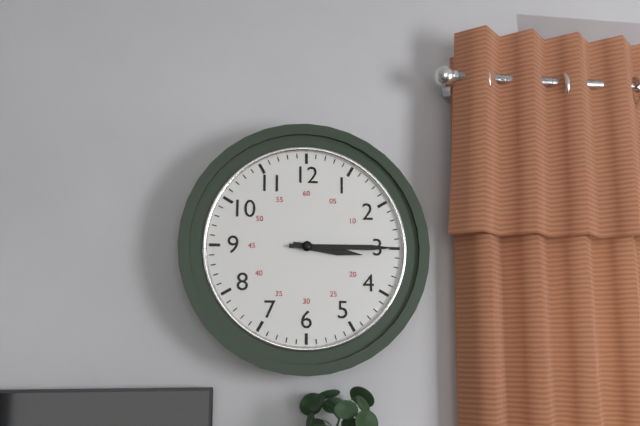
3:15
